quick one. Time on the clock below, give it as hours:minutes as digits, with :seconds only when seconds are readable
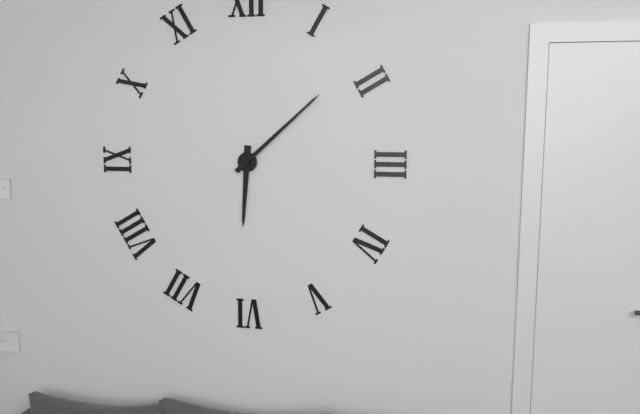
6:08
